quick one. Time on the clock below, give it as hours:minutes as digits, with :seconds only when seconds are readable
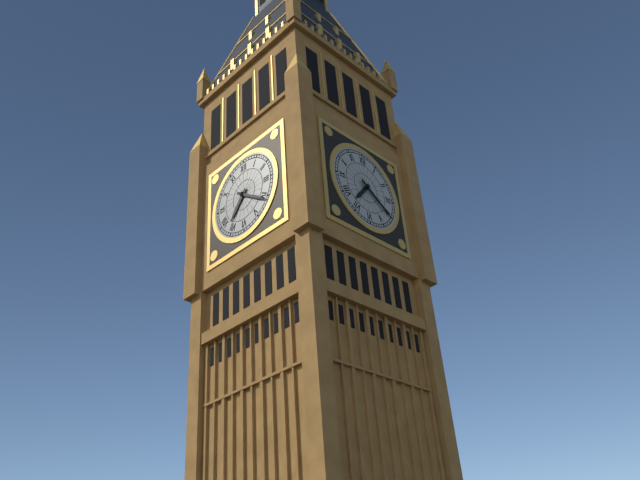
7:21
